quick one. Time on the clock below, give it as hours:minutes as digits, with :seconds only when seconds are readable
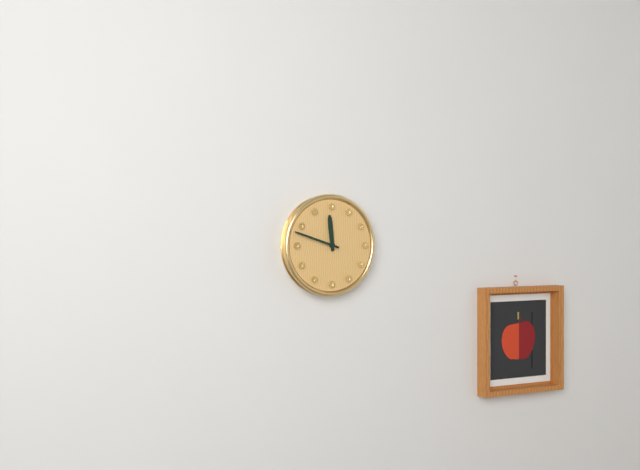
11:48
